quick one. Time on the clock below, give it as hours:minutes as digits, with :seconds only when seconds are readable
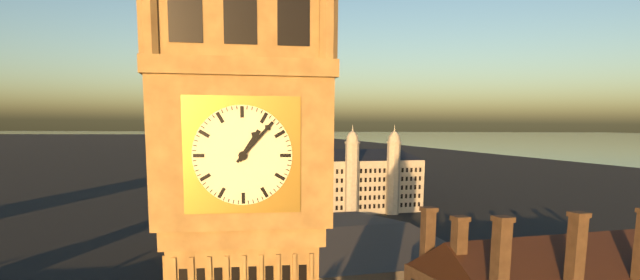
1:07
